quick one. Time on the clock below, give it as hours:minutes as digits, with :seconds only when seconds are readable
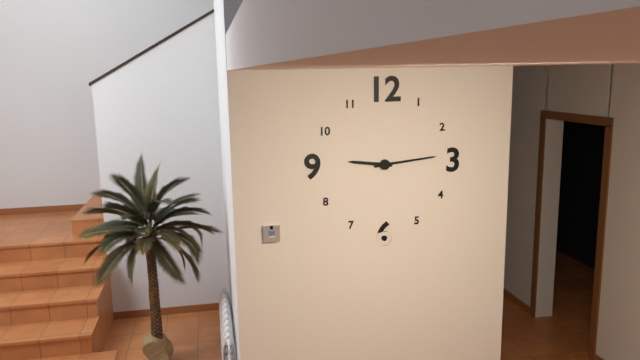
9:14
